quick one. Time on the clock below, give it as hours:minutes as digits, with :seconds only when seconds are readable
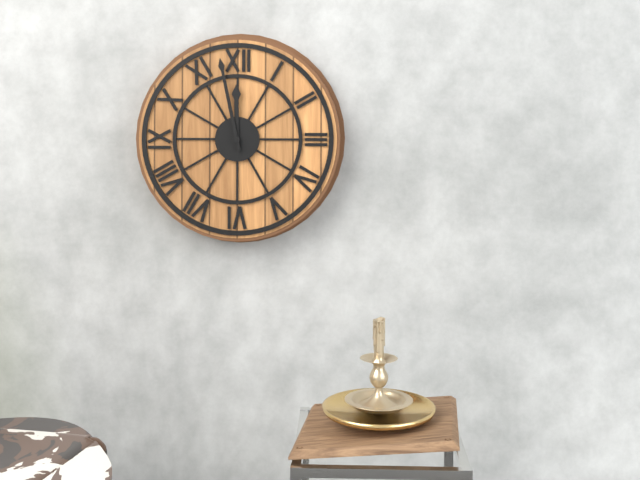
11:58
